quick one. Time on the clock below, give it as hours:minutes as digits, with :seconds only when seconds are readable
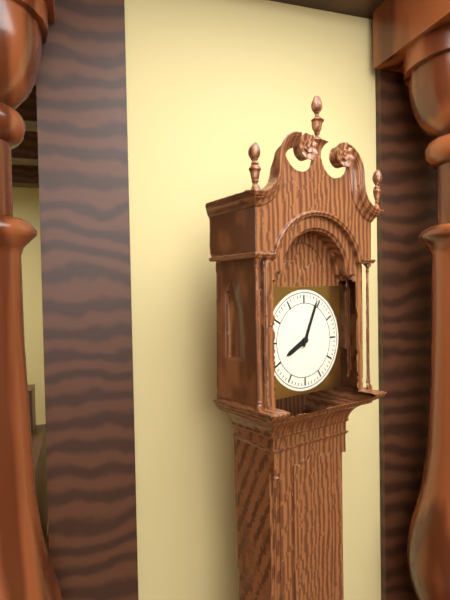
8:04
